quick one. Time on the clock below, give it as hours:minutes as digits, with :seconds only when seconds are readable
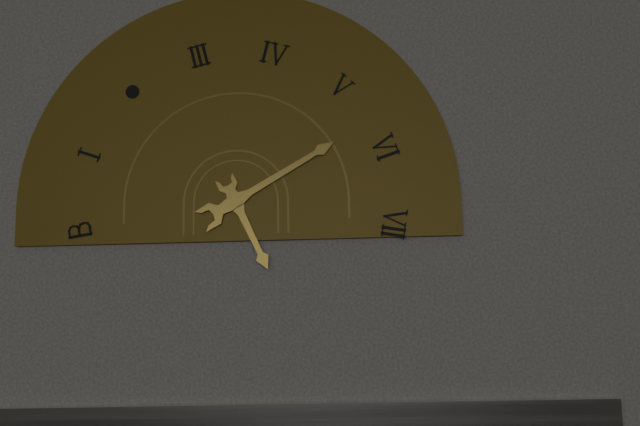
5:10
